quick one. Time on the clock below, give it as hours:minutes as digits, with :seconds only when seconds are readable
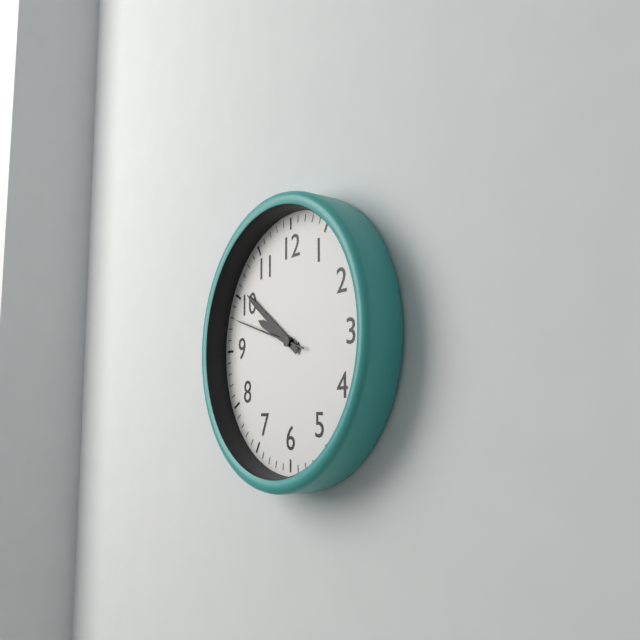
9:51:48
